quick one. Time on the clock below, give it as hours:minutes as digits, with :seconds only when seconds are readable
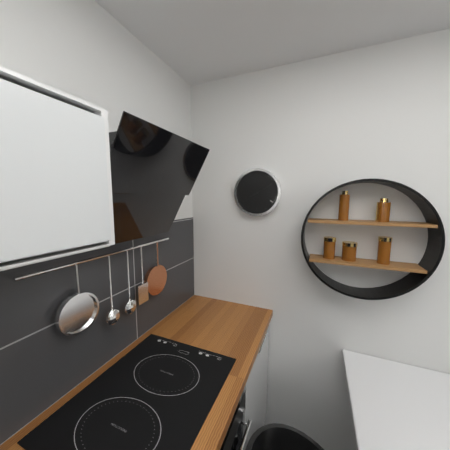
8:10
